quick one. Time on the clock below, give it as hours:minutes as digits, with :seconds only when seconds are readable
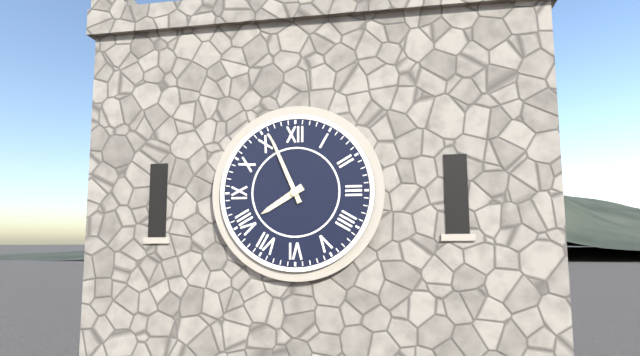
7:56
